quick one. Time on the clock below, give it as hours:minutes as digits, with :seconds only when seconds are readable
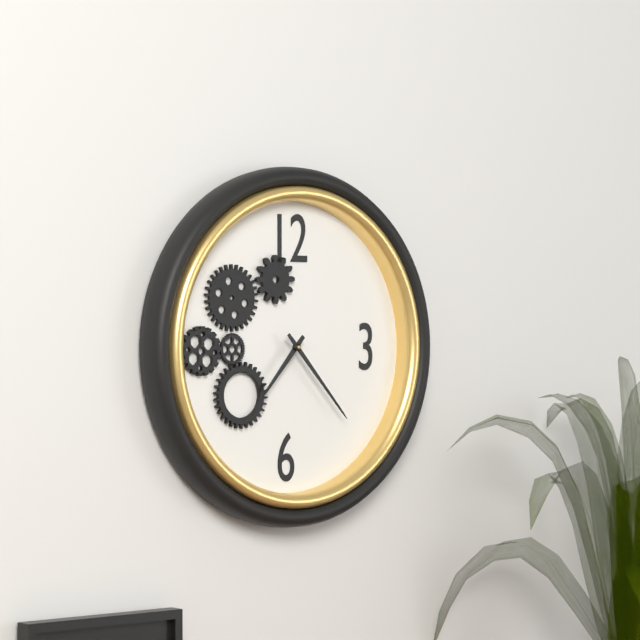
7:23
